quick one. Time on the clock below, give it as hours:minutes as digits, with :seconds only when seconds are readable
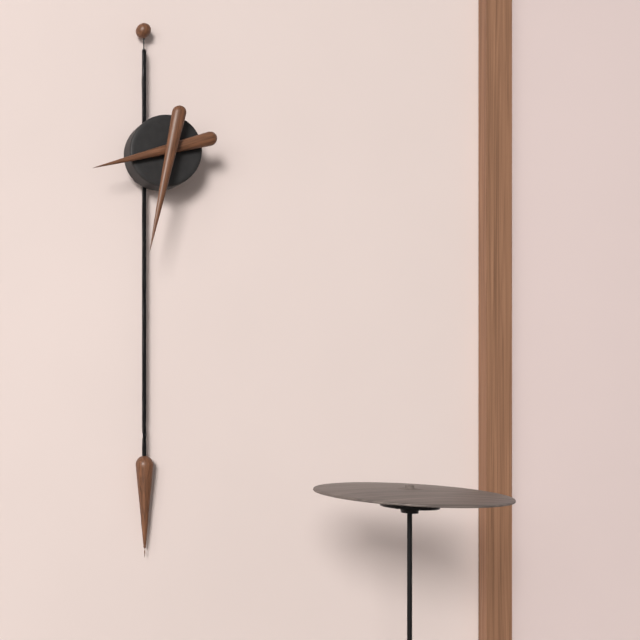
8:32
